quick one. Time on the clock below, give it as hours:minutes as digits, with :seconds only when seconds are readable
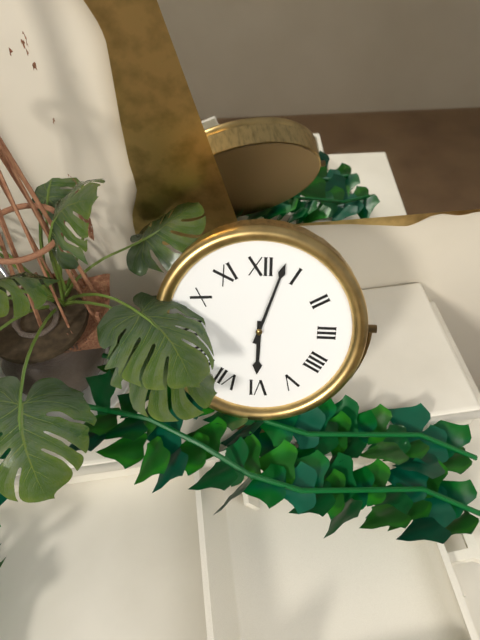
6:03
